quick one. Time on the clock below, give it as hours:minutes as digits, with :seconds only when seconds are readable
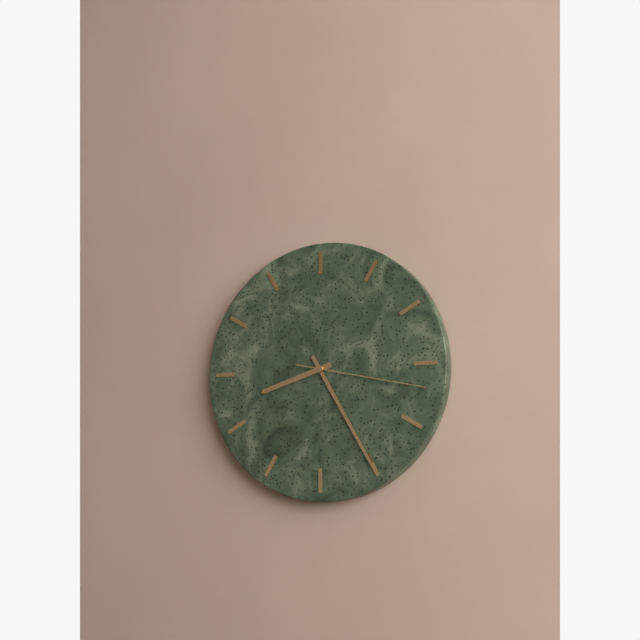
8:25:17
